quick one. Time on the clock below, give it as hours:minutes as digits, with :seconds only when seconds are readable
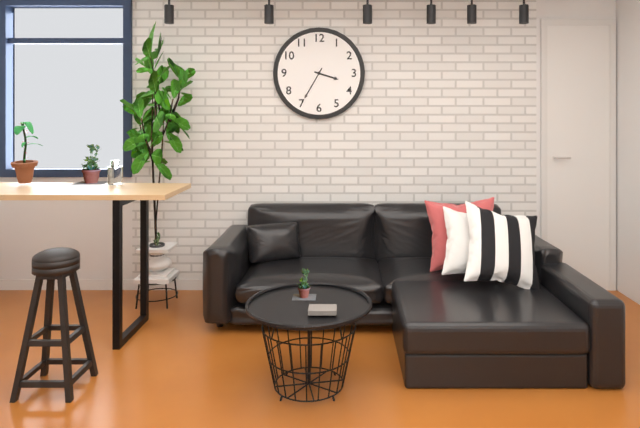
3:35
